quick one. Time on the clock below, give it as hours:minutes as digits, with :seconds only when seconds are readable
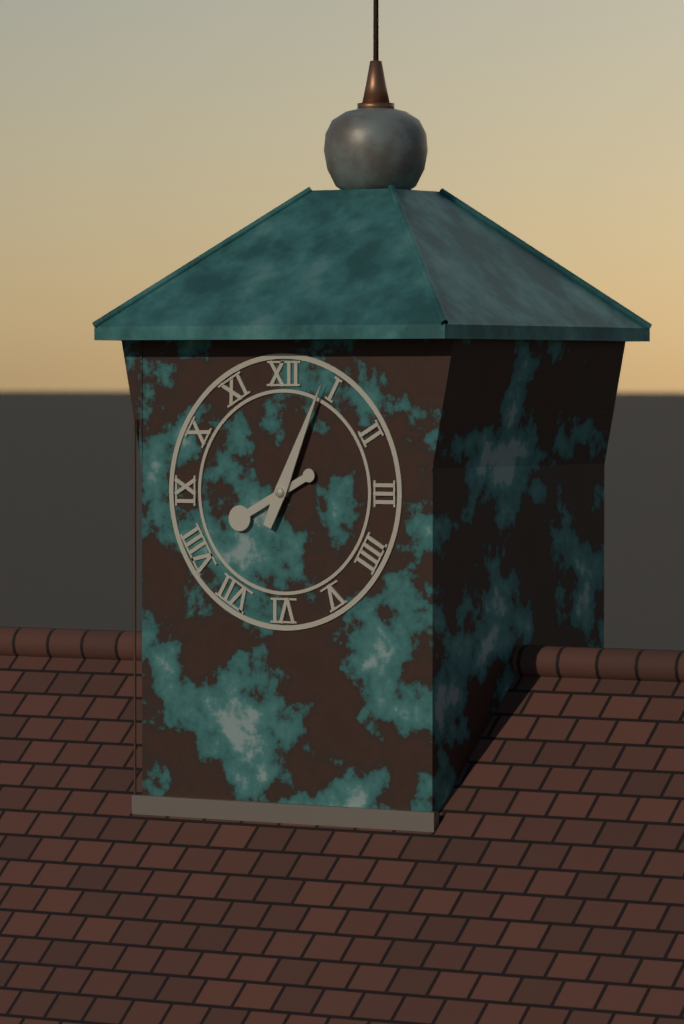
8:04
